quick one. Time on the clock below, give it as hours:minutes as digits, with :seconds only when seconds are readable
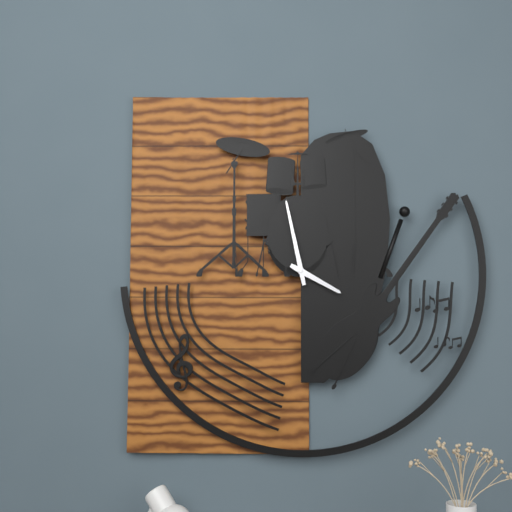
3:58
